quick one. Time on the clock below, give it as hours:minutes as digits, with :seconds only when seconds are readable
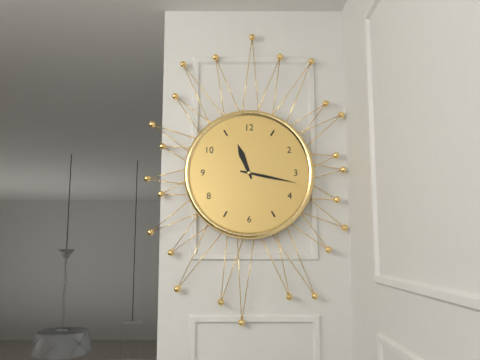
11:17
